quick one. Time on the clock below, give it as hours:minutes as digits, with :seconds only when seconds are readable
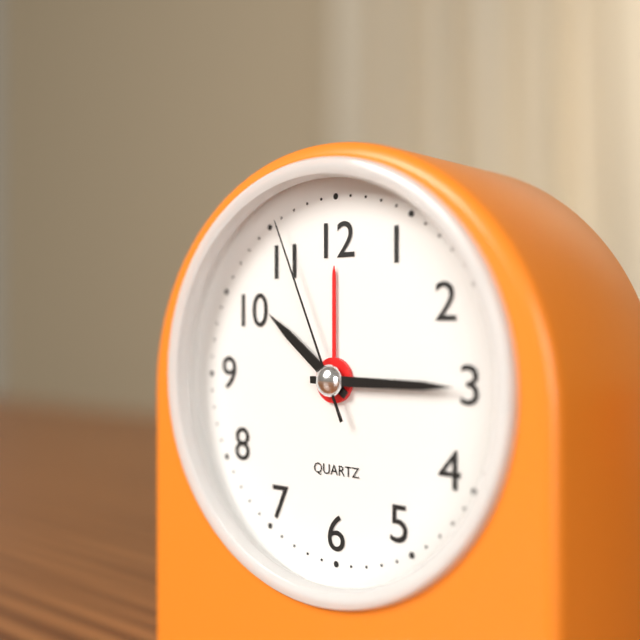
10:15:56
